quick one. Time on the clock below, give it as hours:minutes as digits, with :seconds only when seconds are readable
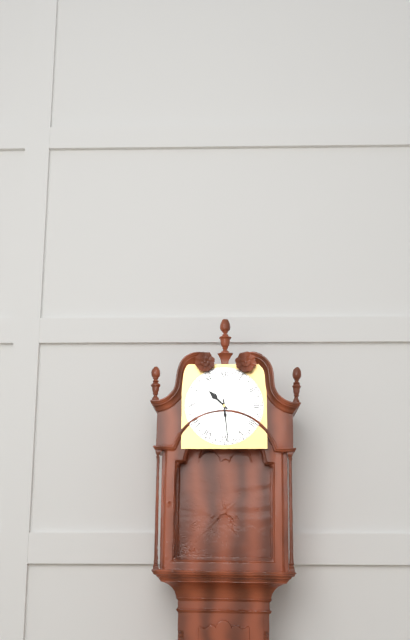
10:29
